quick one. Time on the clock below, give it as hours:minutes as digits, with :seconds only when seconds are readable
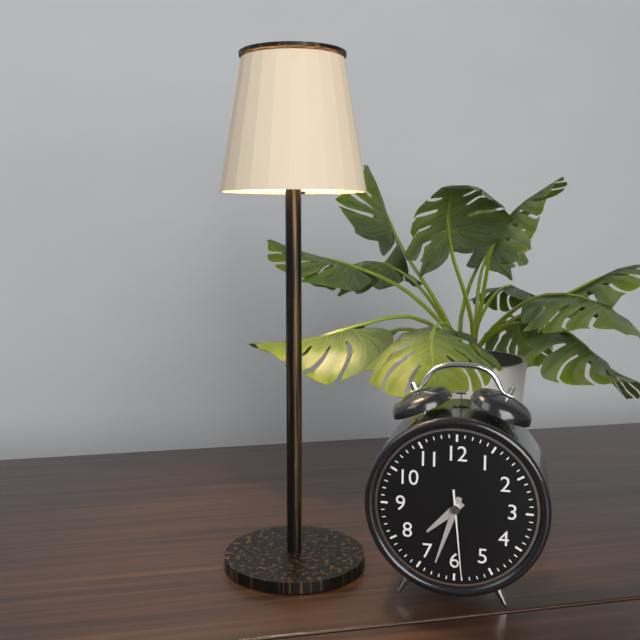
7:33:29
